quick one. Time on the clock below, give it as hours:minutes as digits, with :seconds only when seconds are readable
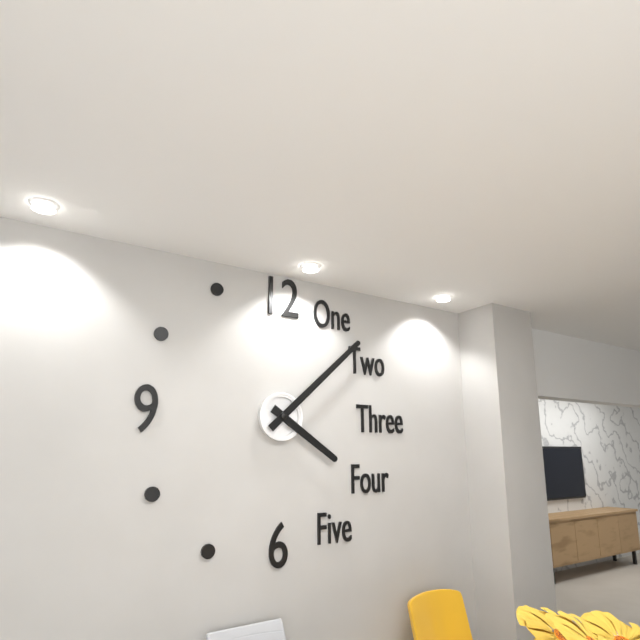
4:08
